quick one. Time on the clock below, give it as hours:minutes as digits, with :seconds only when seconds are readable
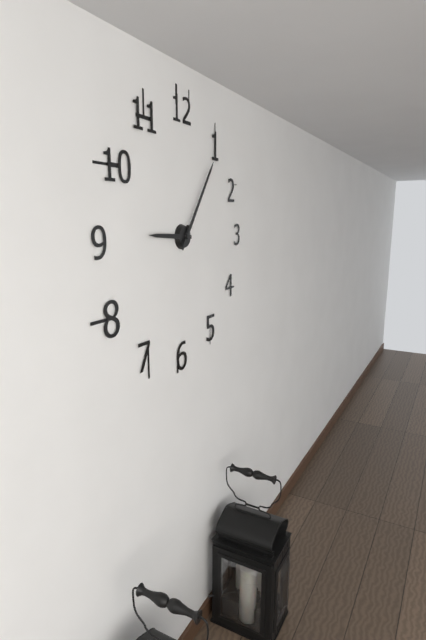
9:06
